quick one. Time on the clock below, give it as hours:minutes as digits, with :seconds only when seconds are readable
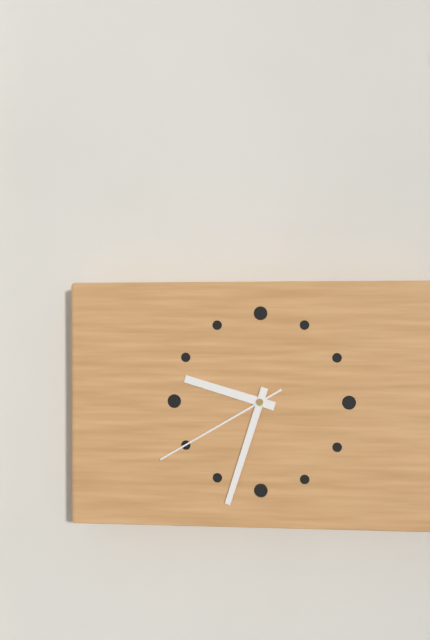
9:33:40
